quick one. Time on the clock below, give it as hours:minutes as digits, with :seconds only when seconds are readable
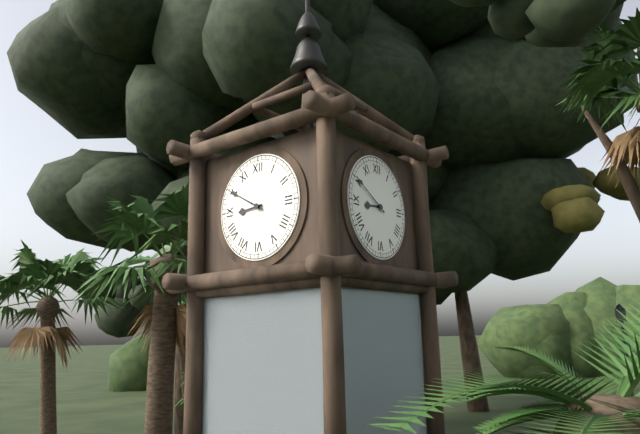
8:50
